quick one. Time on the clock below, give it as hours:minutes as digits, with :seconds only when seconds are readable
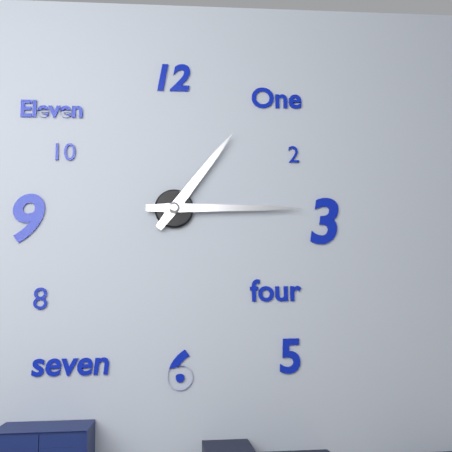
1:15
